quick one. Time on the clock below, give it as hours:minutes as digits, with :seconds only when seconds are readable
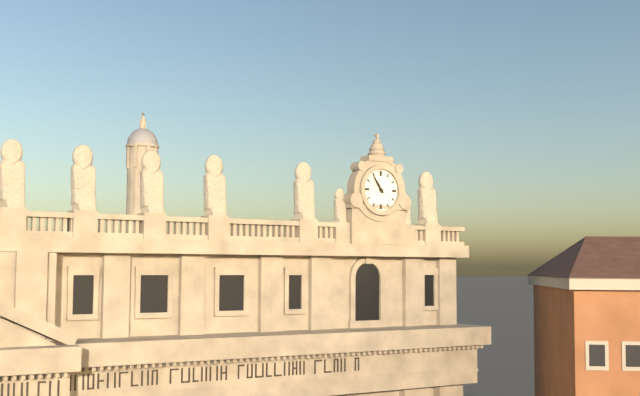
10:54
